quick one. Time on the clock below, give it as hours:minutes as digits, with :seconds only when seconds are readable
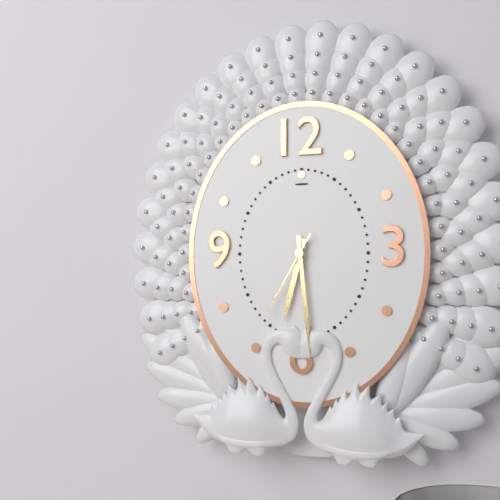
6:29:35
